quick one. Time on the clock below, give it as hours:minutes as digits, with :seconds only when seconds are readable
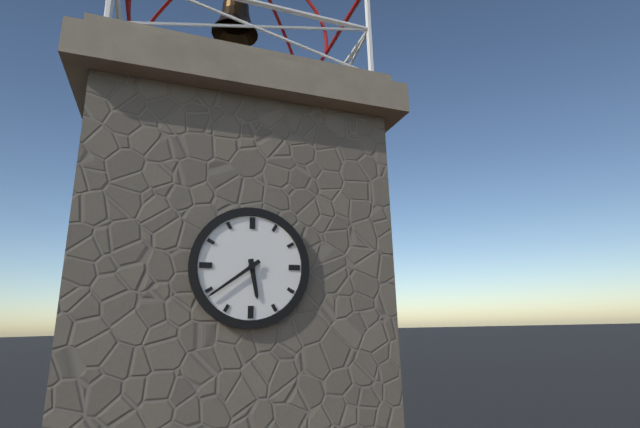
5:39
